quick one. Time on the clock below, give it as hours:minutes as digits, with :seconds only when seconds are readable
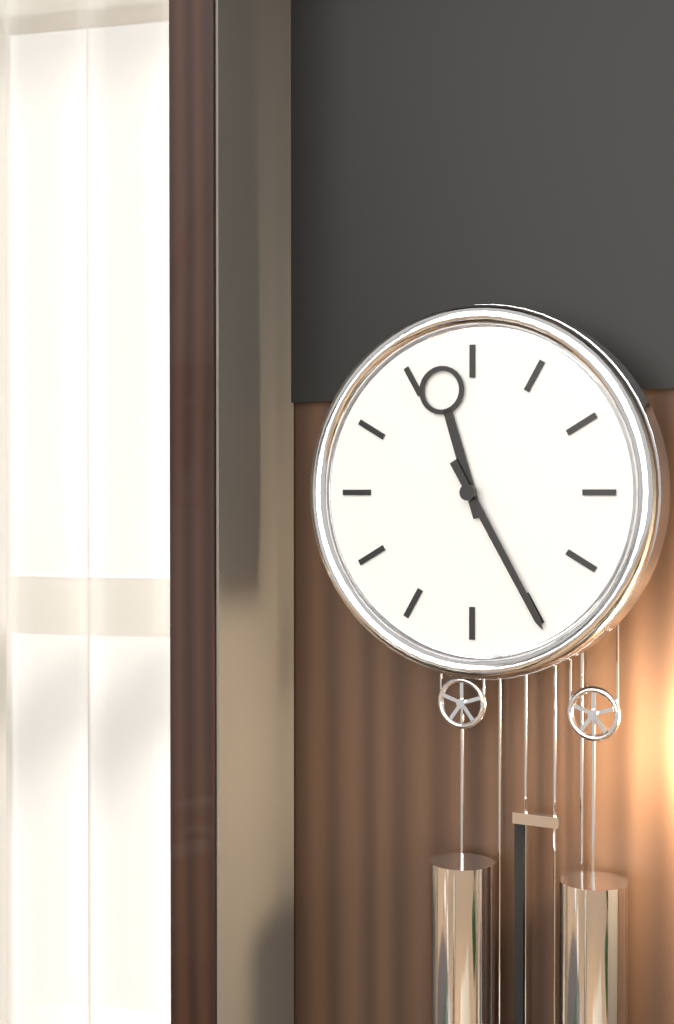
11:25
